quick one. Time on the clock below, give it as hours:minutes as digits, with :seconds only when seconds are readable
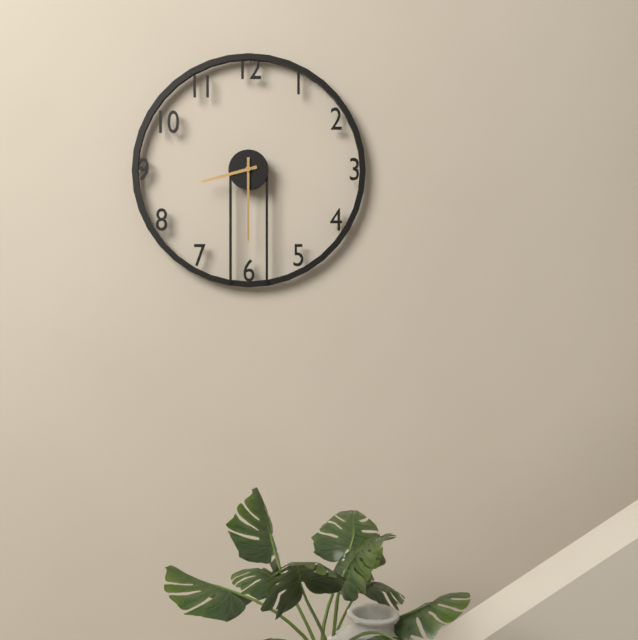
8:30
